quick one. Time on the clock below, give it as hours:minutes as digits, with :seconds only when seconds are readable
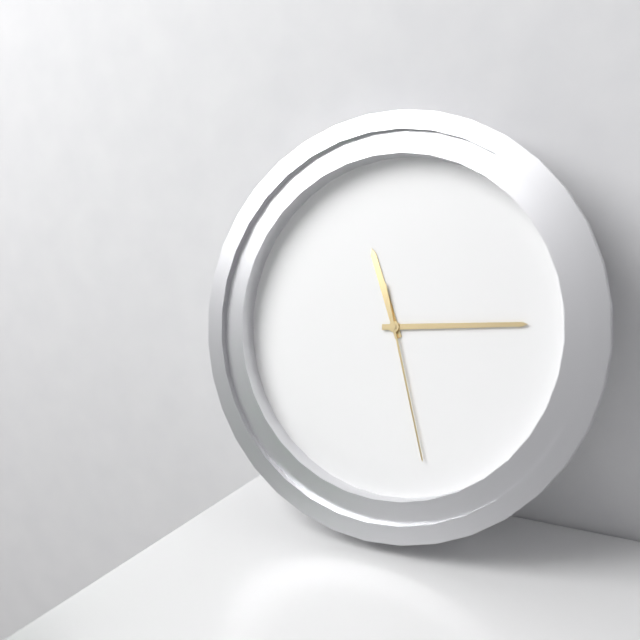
11:14:27
